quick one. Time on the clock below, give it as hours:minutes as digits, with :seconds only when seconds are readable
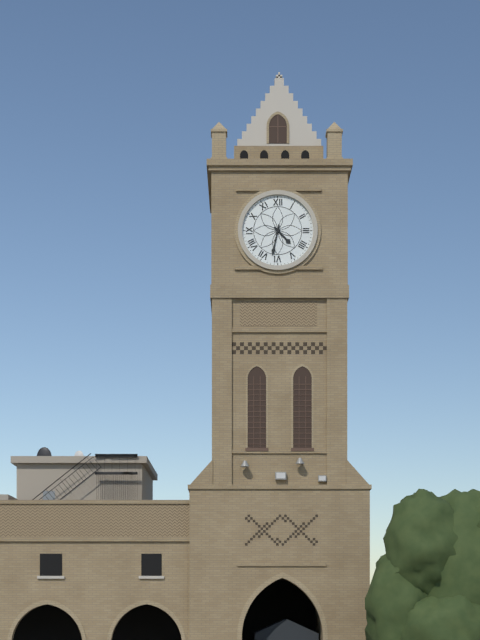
4:32
